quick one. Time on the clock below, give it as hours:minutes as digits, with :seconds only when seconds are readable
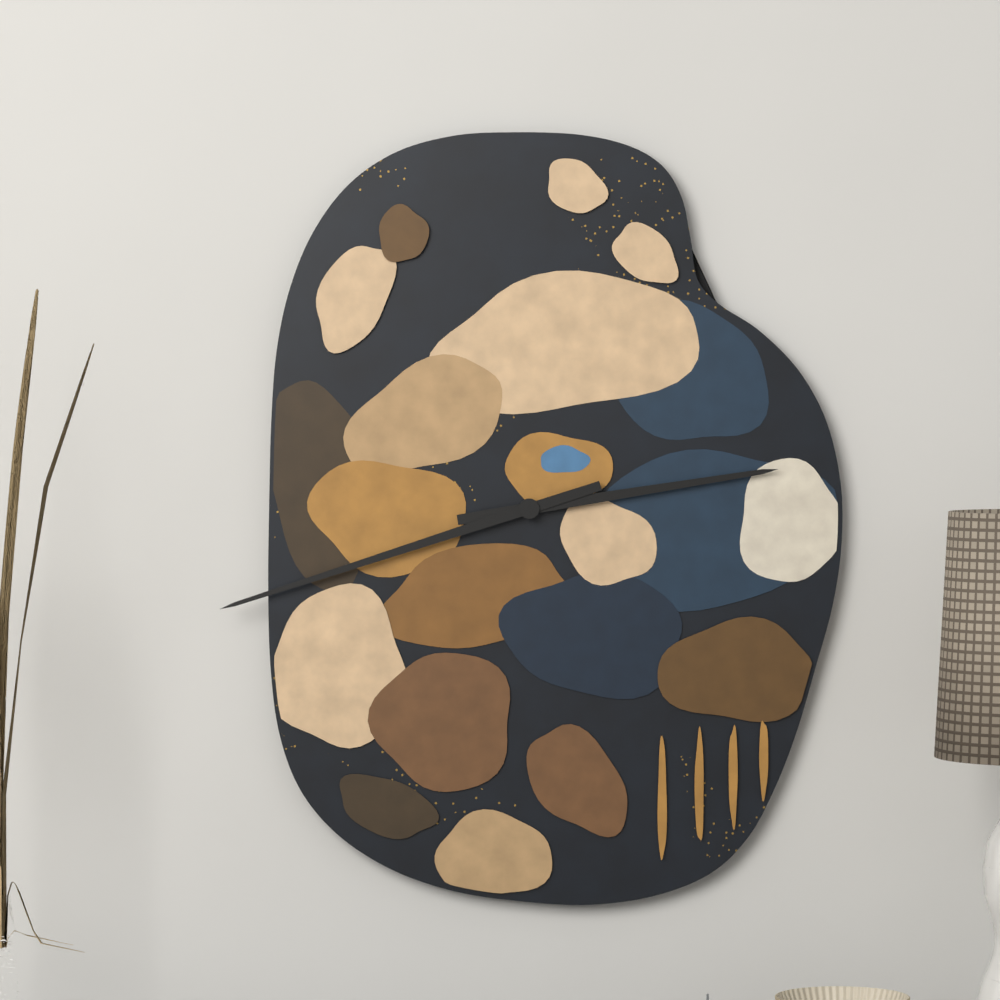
2:42
